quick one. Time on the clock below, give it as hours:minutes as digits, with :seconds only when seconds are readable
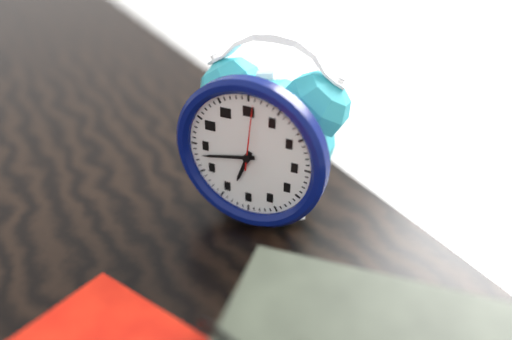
6:43:01
